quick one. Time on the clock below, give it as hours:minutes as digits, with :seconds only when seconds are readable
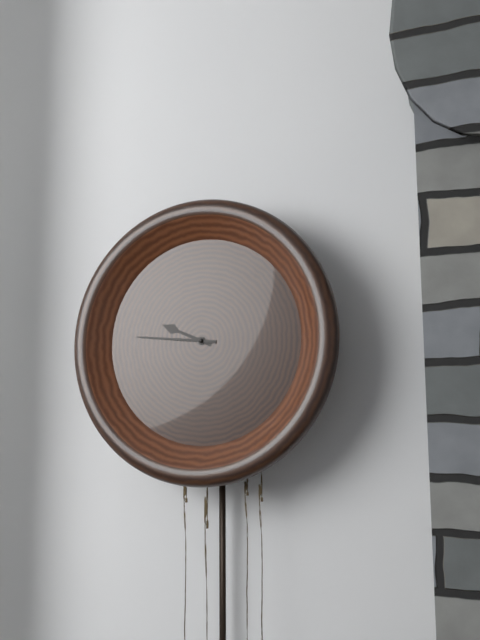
9:46
